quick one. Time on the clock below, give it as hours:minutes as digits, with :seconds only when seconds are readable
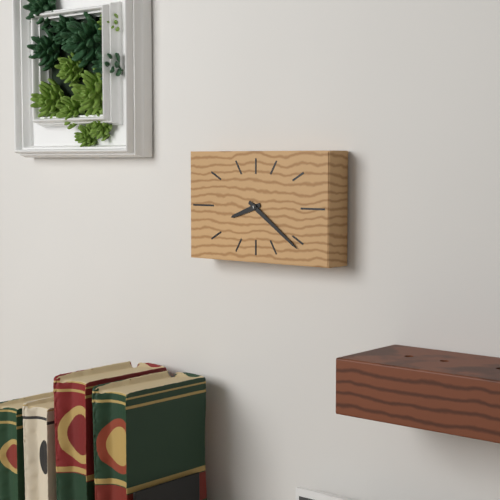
8:21
